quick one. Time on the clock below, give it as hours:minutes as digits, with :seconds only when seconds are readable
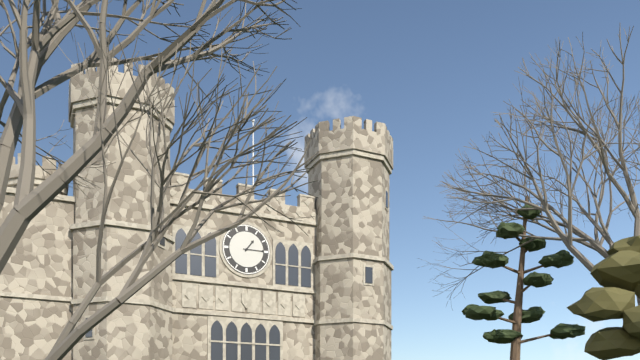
1:15
